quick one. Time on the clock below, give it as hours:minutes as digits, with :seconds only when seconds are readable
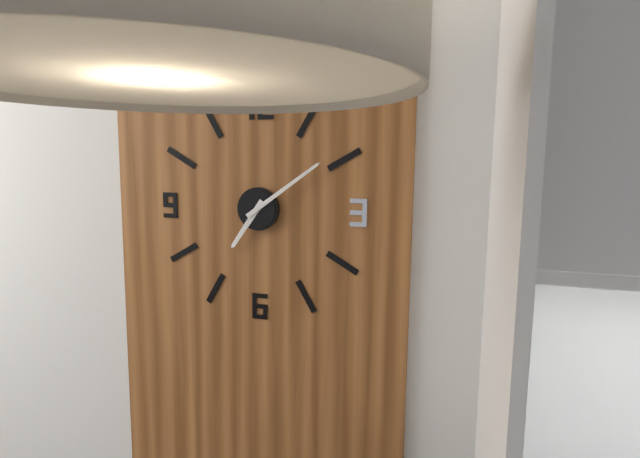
7:09
